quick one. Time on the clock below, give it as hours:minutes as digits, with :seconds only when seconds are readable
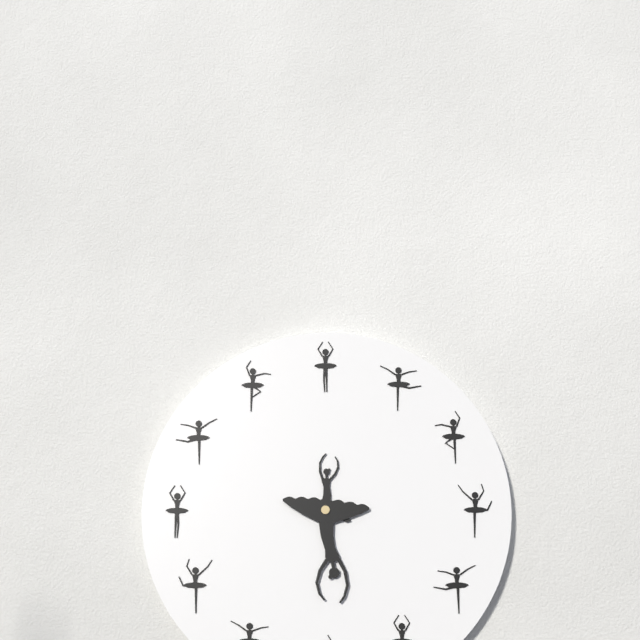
12:31
